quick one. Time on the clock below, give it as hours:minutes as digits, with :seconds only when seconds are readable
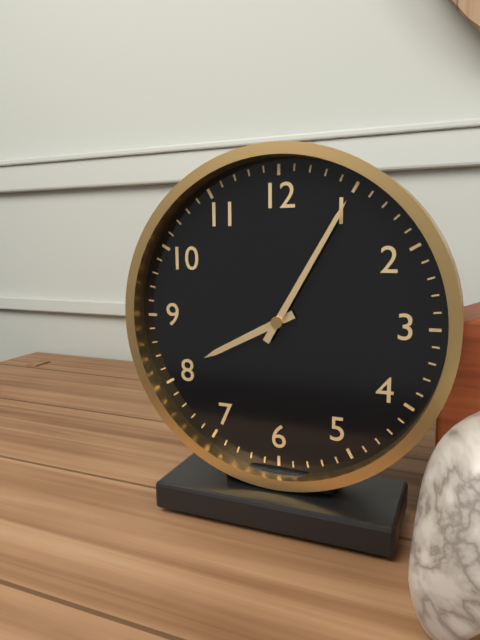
8:05
